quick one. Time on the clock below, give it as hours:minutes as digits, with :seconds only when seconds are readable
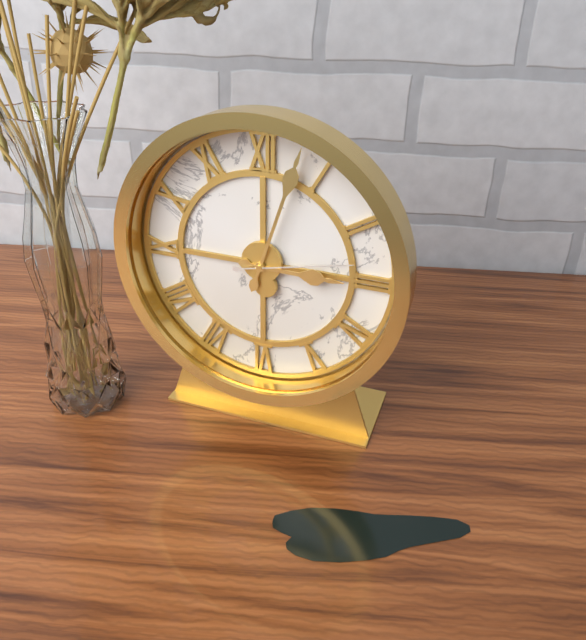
3:03:13
